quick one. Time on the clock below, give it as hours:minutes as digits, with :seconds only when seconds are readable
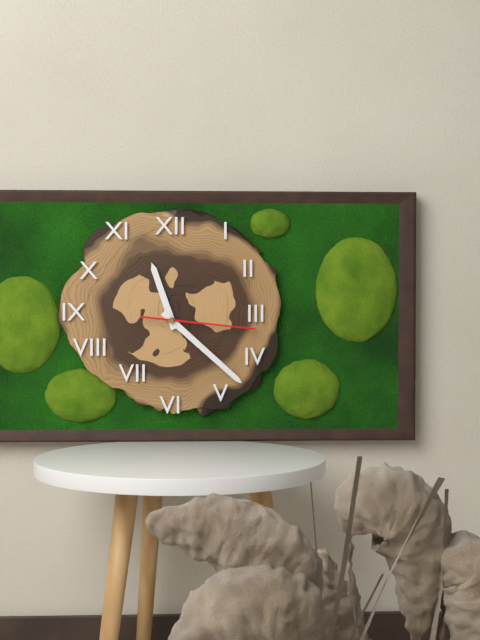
11:22:16
